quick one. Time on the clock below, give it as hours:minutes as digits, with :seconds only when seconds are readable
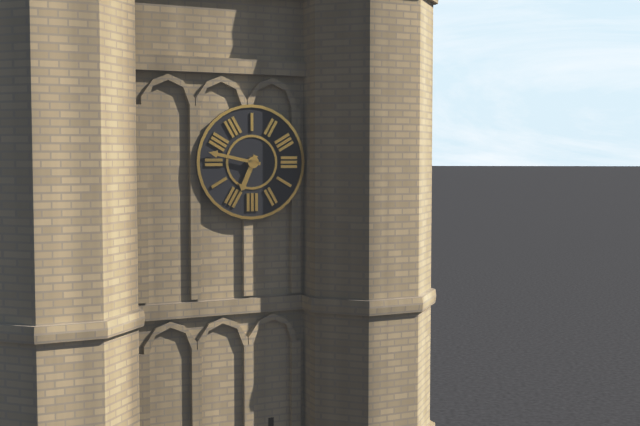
6:47
